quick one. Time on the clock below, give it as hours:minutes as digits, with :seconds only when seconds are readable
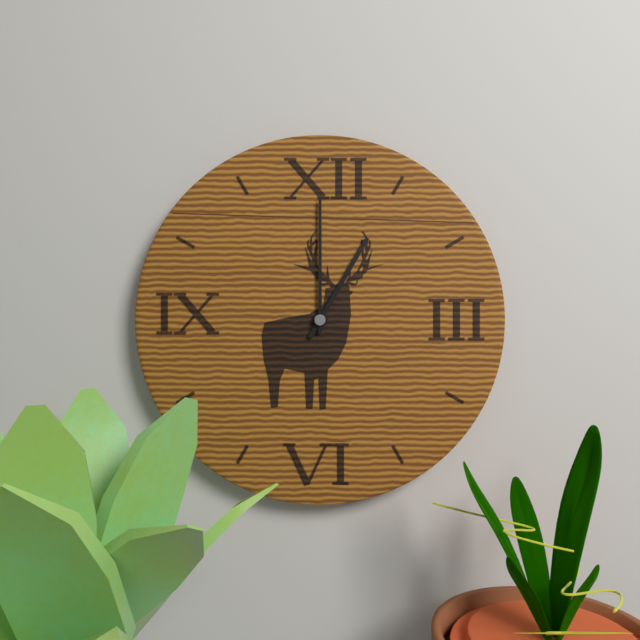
1:00
